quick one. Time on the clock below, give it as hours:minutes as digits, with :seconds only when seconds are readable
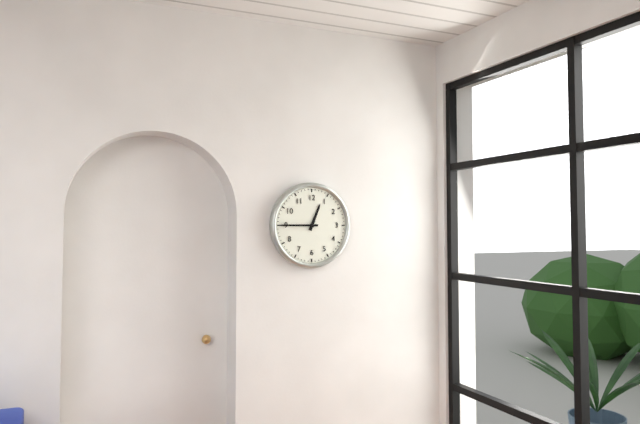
12:45
